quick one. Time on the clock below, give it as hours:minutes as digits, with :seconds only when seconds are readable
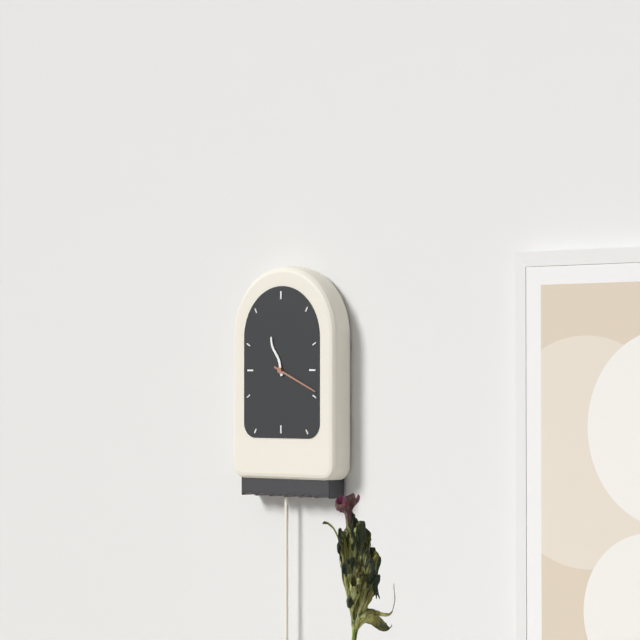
11:19
